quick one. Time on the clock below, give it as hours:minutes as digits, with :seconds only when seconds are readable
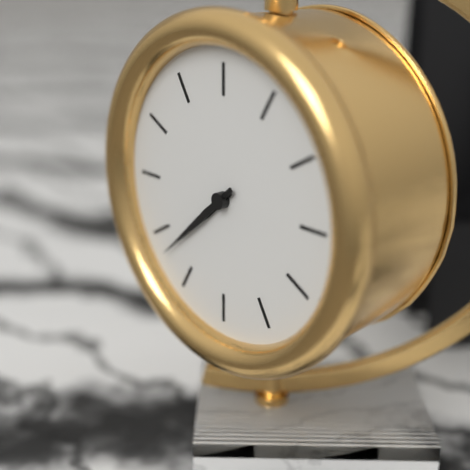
7:38
